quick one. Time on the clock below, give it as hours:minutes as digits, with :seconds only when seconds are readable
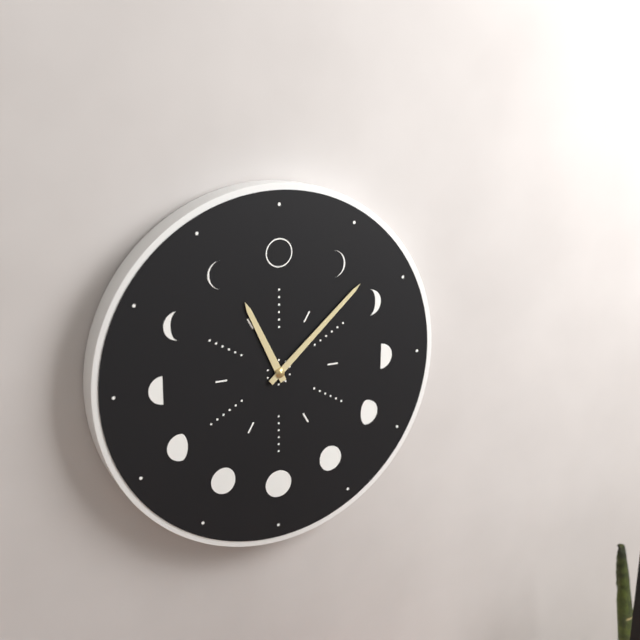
11:08
